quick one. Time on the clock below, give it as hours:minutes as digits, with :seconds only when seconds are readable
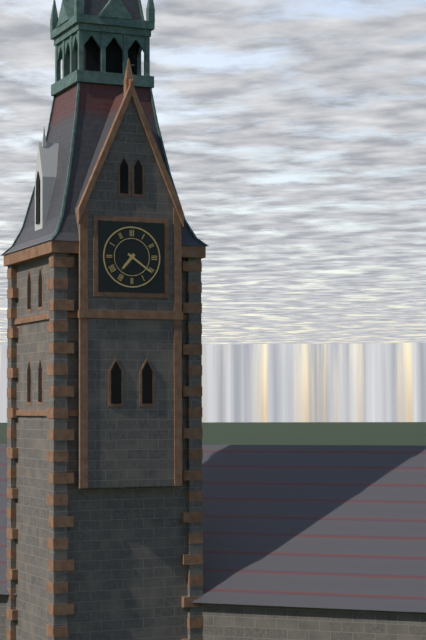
7:21
